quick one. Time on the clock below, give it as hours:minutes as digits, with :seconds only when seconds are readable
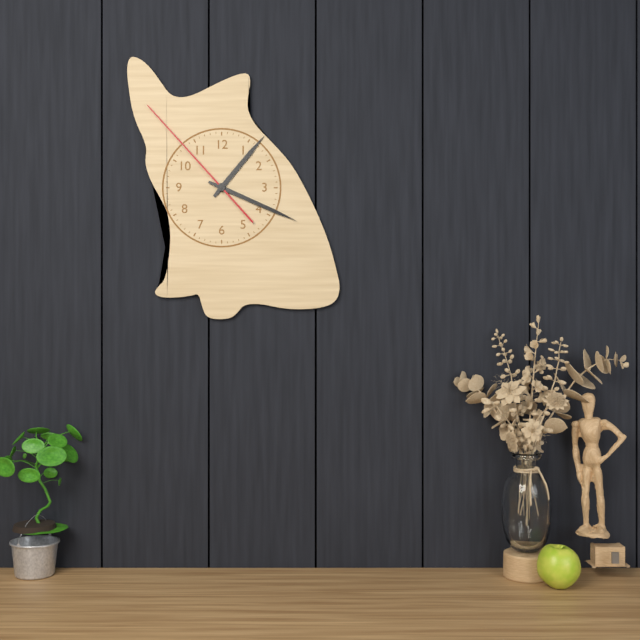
1:19:53
